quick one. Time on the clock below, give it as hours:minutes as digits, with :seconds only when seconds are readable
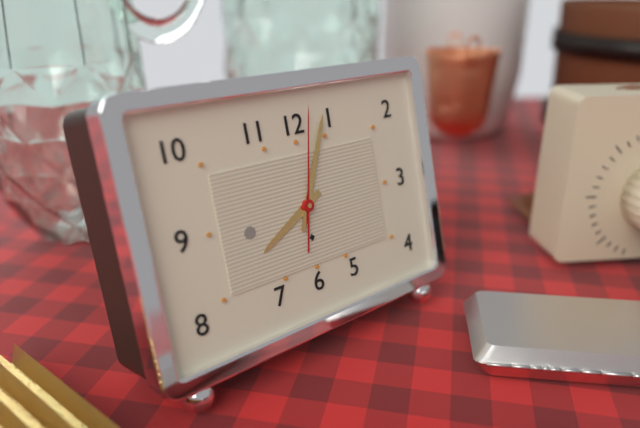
8:04:02
